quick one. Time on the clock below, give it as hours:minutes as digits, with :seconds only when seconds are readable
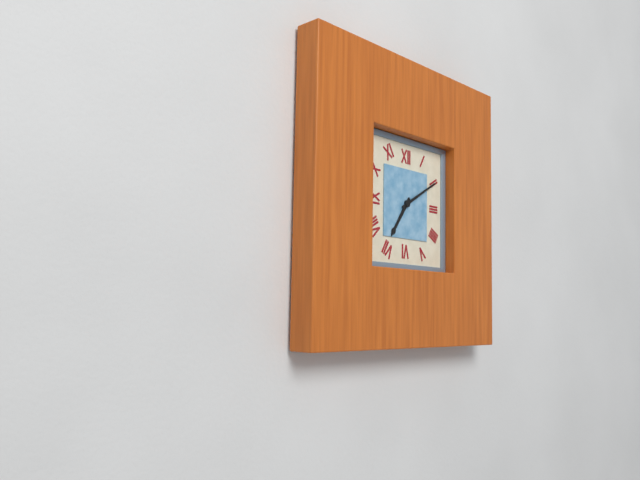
7:10
